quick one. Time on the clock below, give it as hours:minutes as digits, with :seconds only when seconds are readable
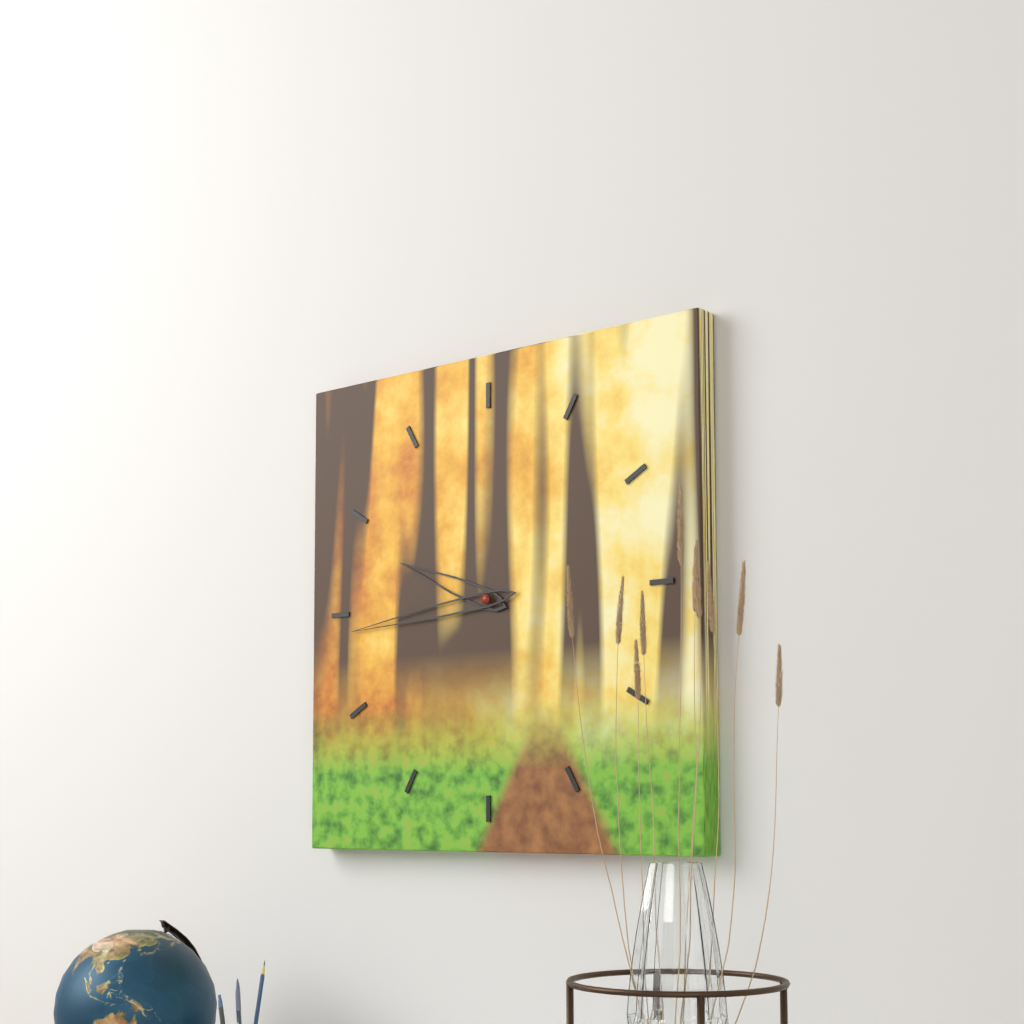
9:44
